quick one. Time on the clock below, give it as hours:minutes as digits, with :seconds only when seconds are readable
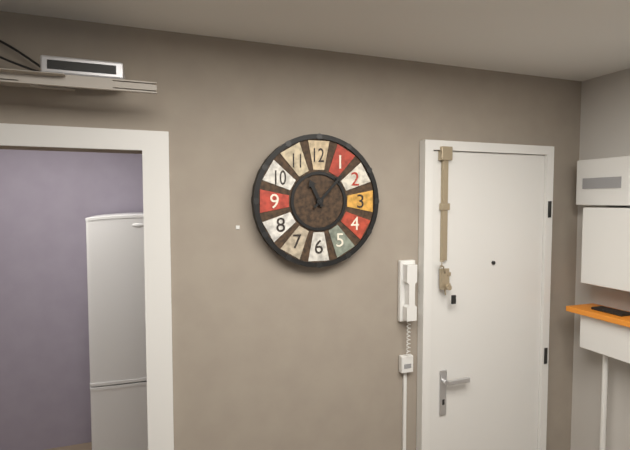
11:07
